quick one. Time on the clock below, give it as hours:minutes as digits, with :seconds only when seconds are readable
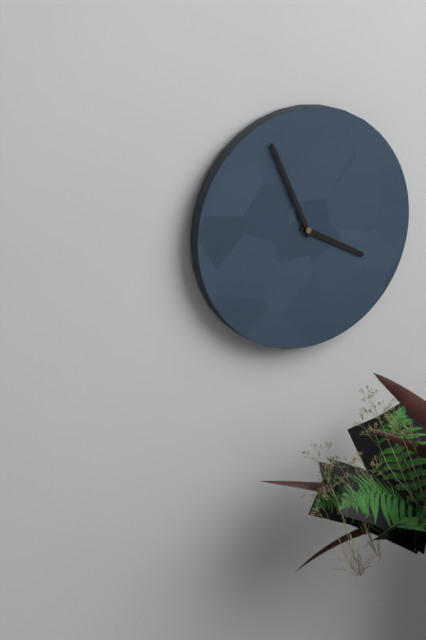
3:56
